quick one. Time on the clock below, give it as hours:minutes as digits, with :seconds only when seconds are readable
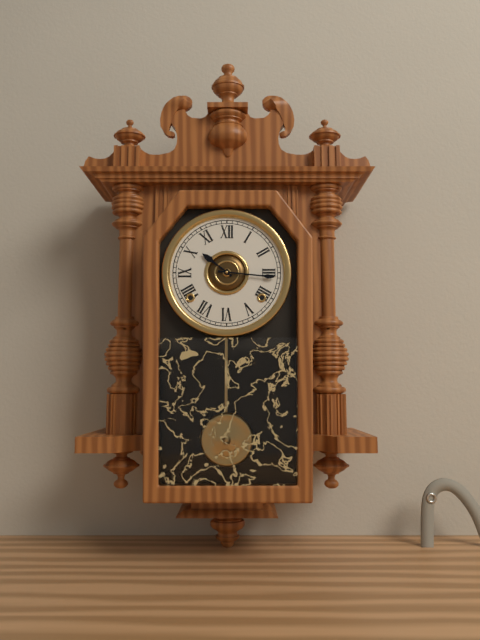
10:16
